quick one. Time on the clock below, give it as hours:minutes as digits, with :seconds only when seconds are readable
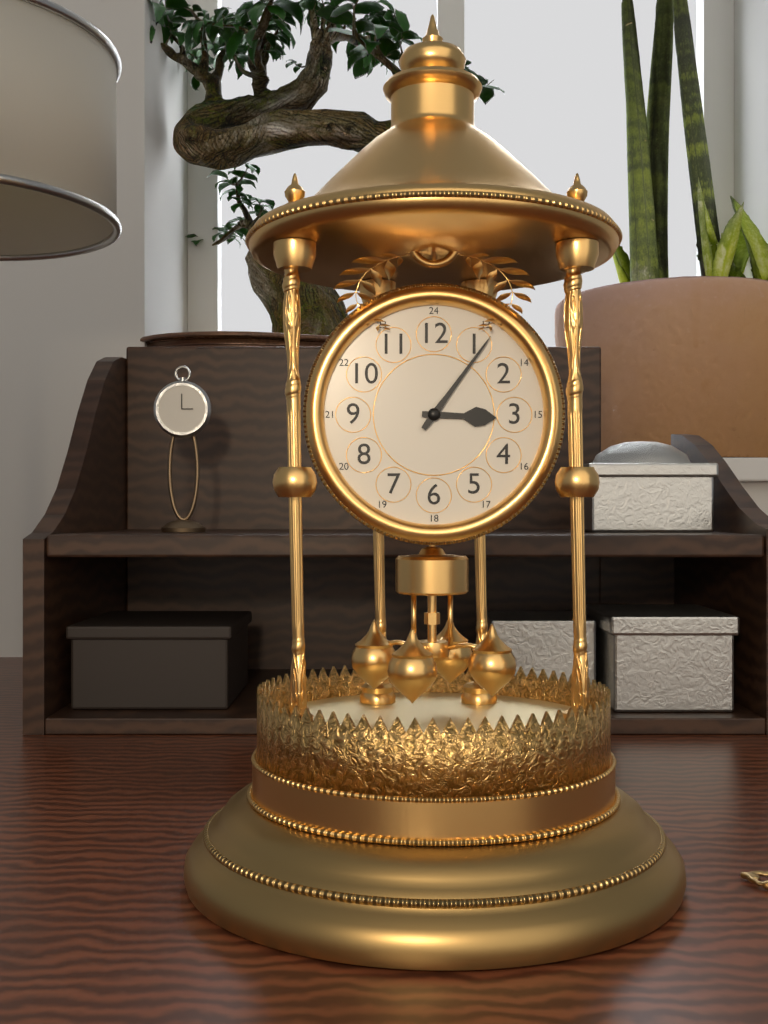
3:06
